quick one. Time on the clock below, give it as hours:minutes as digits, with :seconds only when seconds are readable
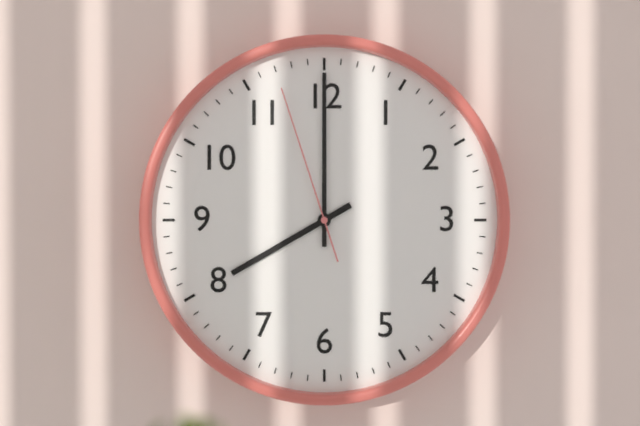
8:00:57
